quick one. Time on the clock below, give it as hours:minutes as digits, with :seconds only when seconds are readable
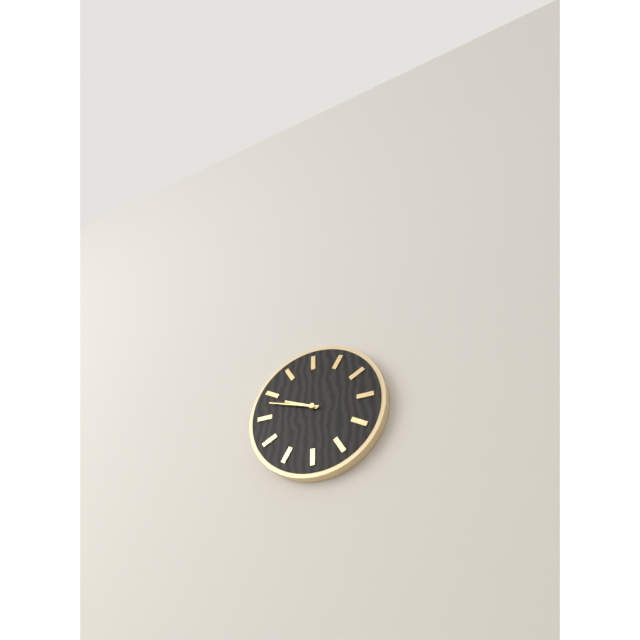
9:48
